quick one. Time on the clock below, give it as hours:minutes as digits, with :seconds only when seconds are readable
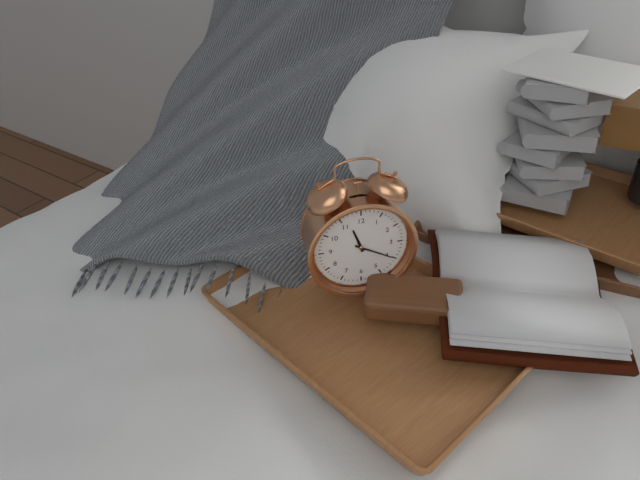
11:20
